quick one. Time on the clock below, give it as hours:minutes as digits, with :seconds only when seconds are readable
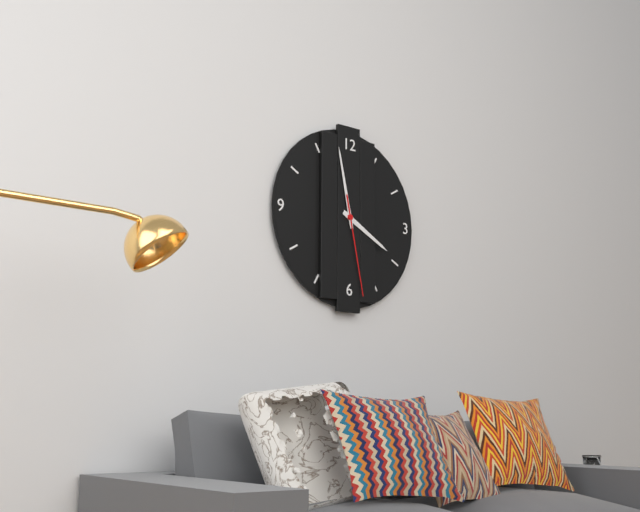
3:58:28
